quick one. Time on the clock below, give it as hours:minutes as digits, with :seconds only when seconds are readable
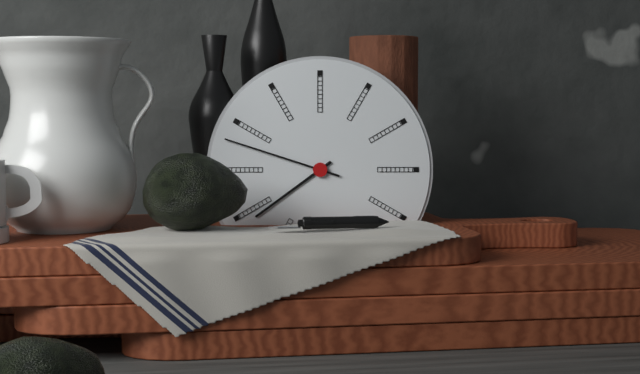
7:48
